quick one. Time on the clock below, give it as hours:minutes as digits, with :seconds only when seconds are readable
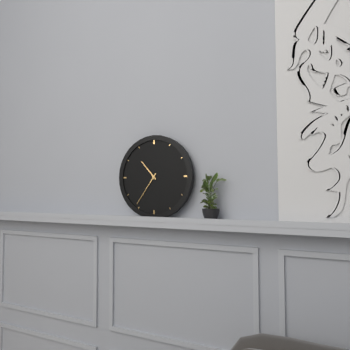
10:36
